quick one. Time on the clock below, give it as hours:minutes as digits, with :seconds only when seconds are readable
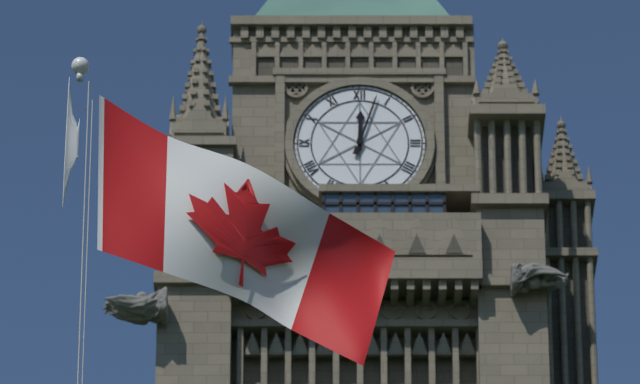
12:03
